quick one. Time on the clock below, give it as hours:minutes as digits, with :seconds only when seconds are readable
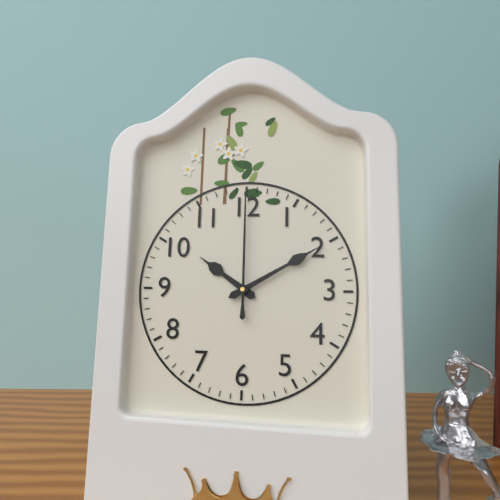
10:10:00
